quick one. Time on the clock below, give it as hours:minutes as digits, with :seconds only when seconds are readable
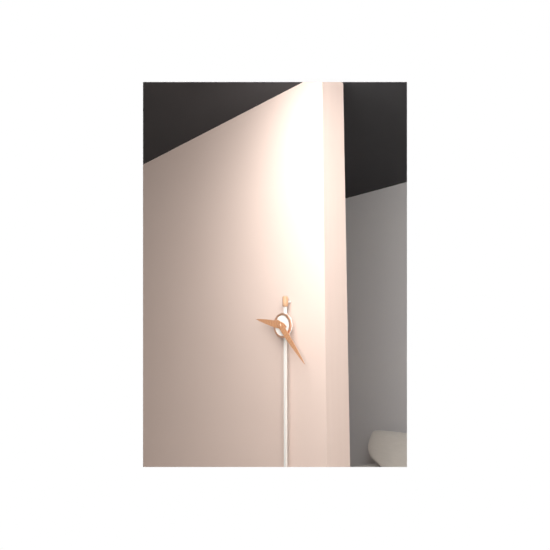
9:23
